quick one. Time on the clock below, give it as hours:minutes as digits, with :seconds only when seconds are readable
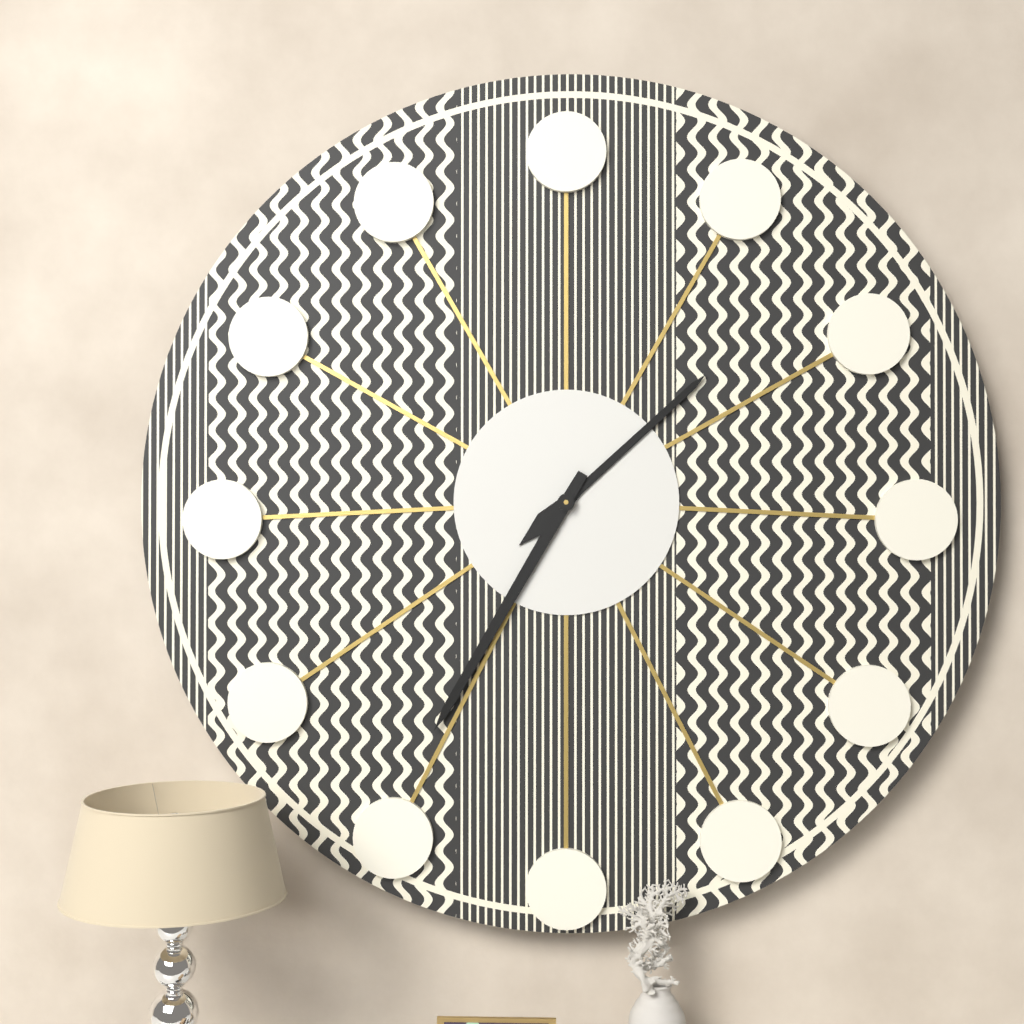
1:35
